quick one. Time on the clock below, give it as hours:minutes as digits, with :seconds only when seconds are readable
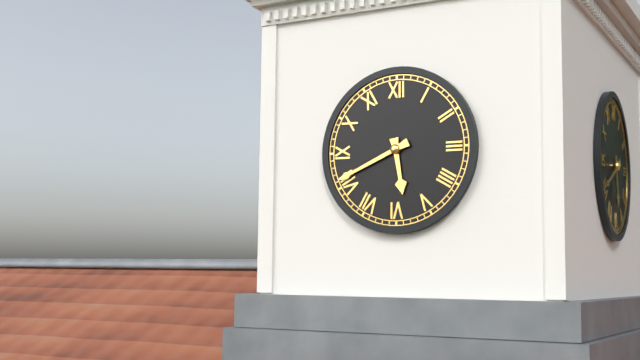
5:41
